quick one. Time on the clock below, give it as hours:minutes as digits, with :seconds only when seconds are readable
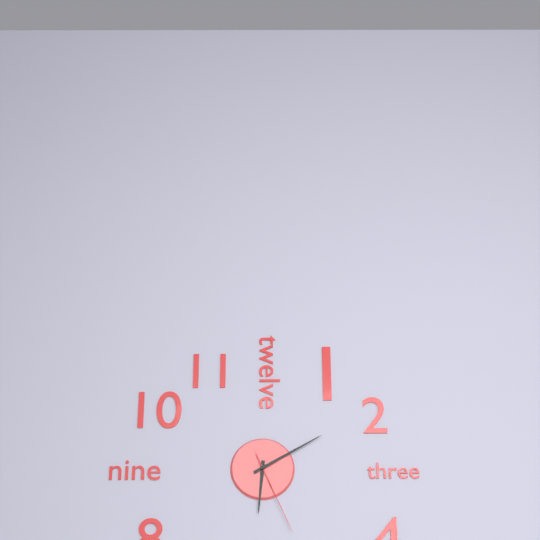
6:10:26
